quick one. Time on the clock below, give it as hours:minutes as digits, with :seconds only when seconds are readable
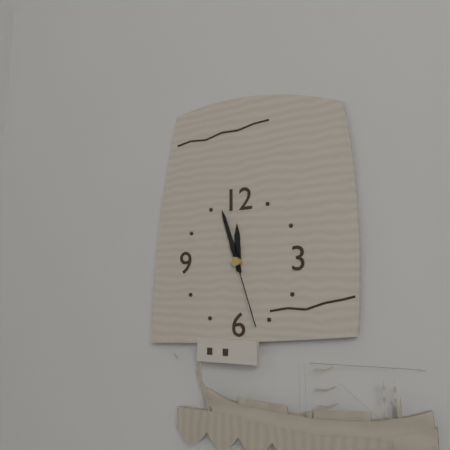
11:57:27
